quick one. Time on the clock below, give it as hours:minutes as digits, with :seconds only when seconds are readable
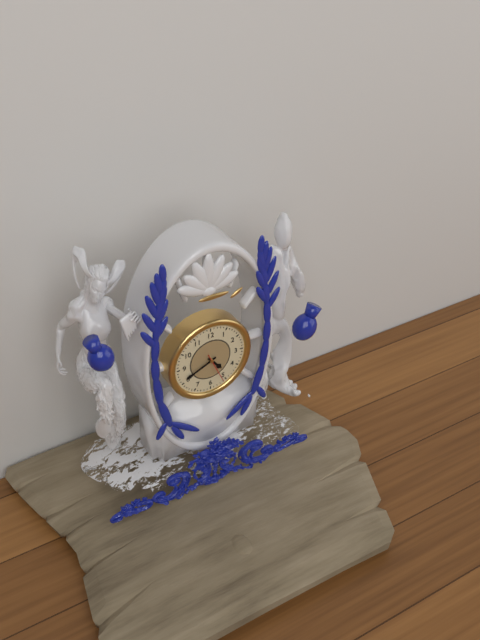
4:41
